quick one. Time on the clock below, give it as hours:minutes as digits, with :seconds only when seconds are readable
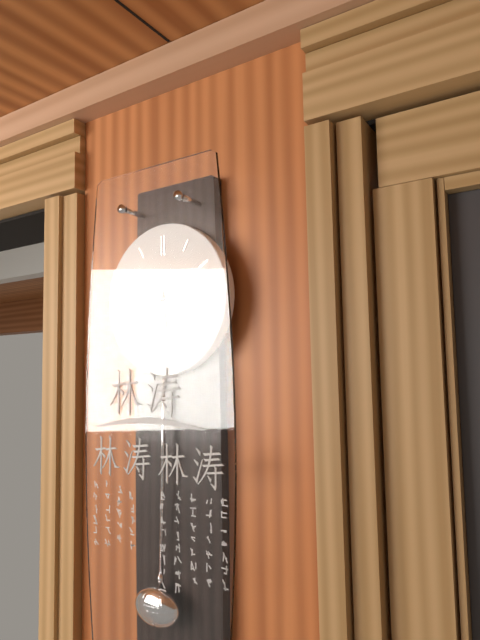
10:29
